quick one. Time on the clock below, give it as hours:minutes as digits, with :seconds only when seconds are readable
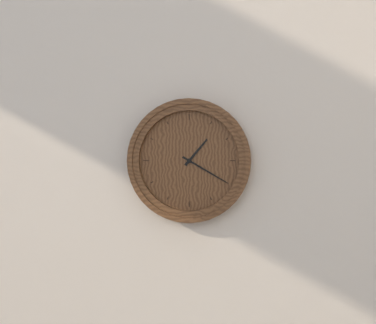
1:20
